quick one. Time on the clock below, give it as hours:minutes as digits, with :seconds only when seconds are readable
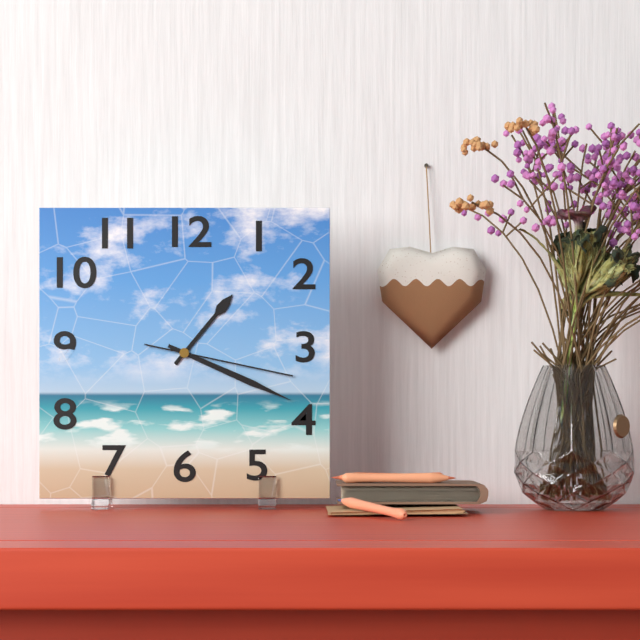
1:19:17
